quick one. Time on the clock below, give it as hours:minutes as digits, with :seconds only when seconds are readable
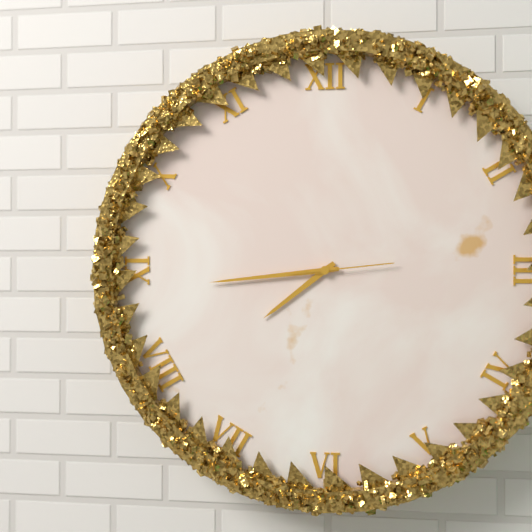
7:44:14
